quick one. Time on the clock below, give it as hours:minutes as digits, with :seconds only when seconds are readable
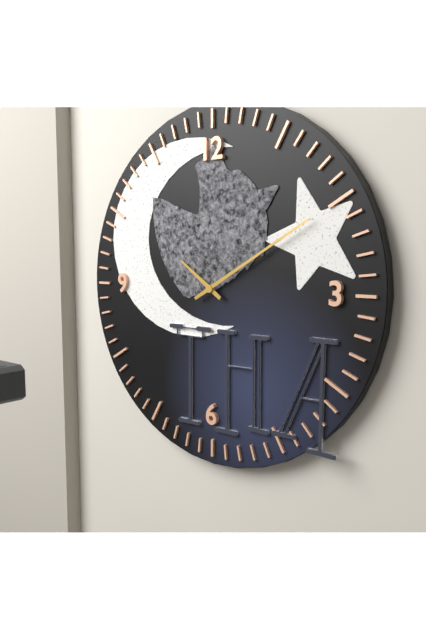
10:10
